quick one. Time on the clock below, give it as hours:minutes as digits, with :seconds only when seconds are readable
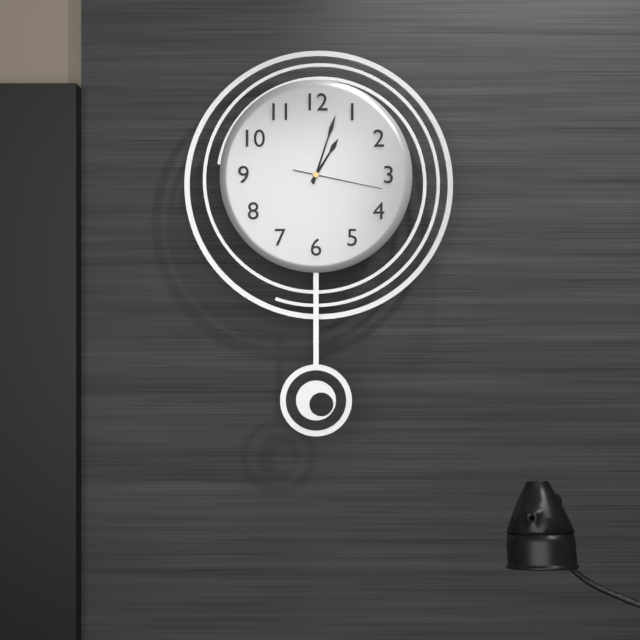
1:03:17
